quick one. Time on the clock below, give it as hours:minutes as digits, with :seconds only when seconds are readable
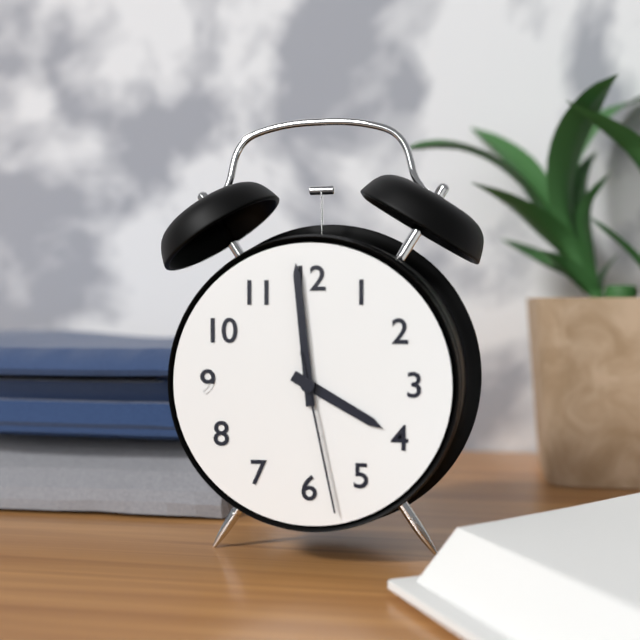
3:59:28
